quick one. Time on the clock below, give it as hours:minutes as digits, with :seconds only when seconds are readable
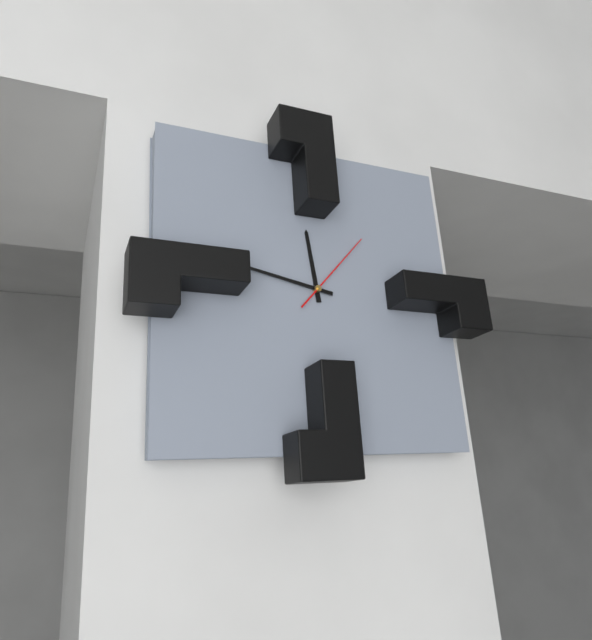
11:47:07
